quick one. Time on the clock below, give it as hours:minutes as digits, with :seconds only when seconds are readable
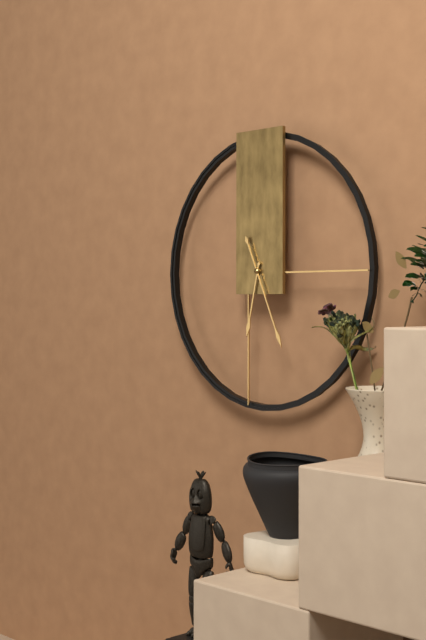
6:26
